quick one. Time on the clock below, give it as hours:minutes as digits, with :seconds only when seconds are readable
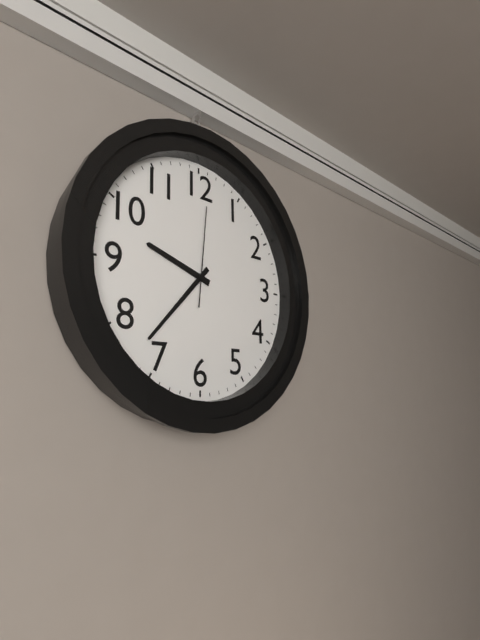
9:37:01
